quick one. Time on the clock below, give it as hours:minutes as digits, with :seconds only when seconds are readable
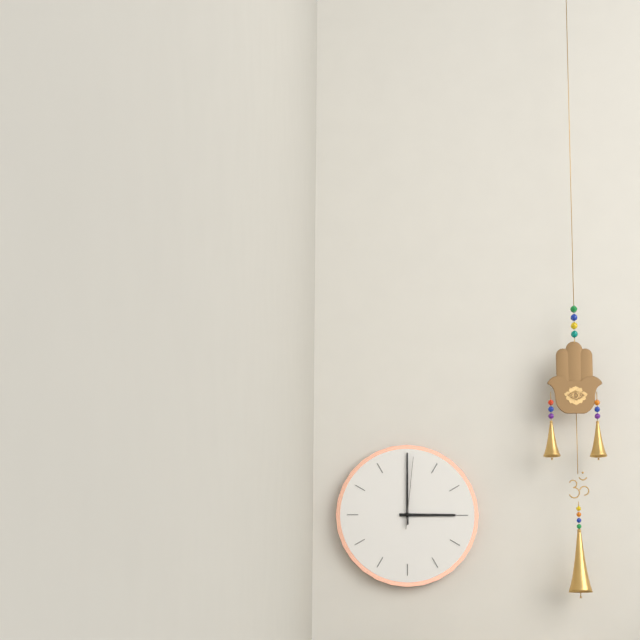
3:00:01
